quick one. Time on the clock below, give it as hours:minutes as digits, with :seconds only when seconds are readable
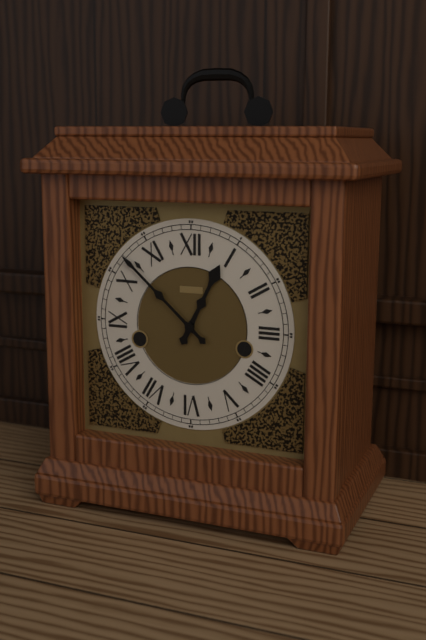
12:52
